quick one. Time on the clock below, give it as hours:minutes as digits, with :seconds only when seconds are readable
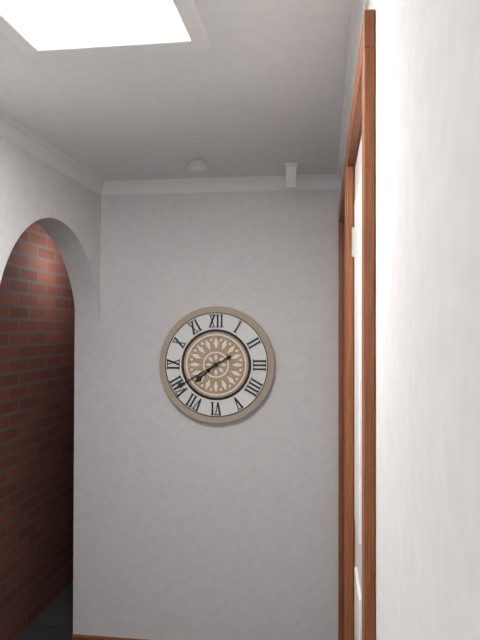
7:40
